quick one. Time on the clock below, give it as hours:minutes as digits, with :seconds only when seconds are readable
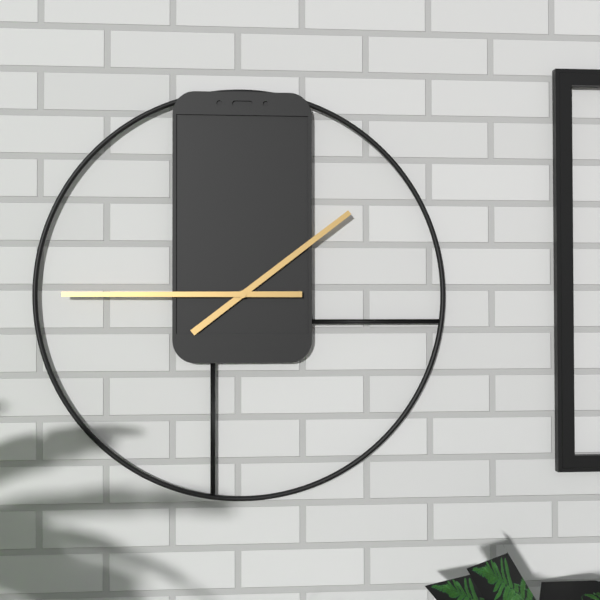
1:45
